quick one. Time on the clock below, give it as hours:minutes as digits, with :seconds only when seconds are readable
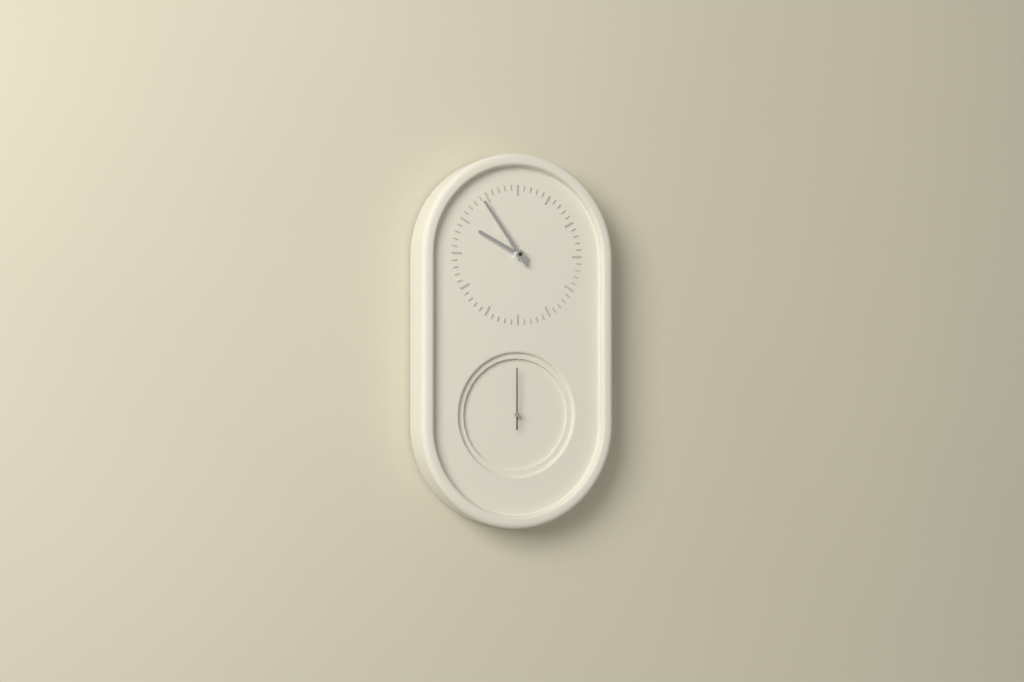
9:54:00
